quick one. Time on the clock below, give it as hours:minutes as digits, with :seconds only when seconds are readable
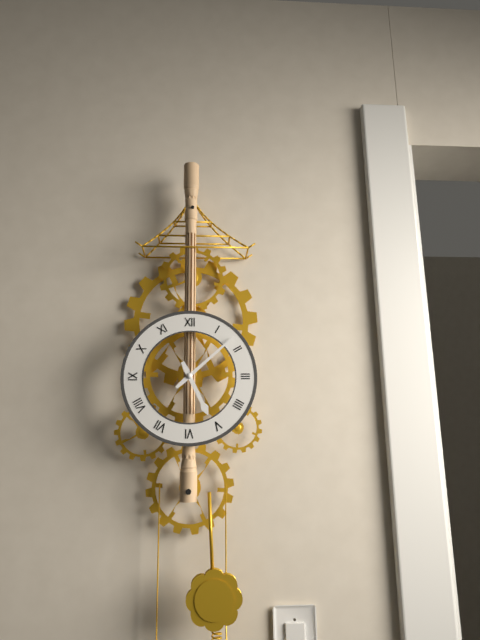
5:08
